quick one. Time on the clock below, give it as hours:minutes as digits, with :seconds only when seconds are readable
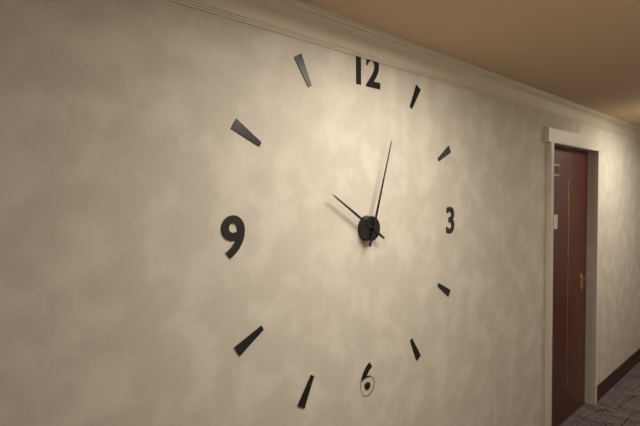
10:03
